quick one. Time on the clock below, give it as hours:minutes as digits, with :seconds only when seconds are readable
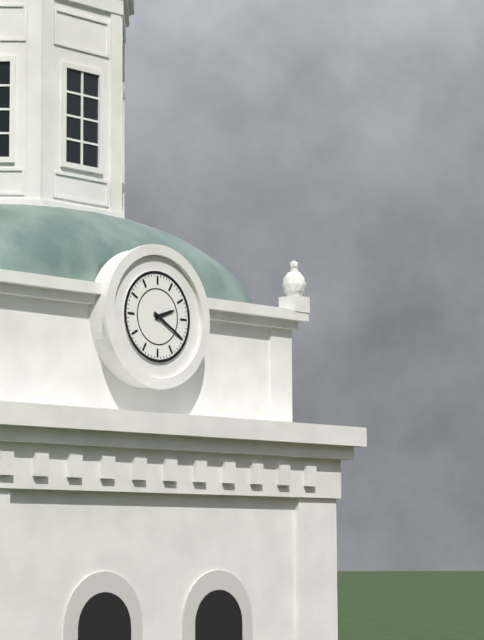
2:20
